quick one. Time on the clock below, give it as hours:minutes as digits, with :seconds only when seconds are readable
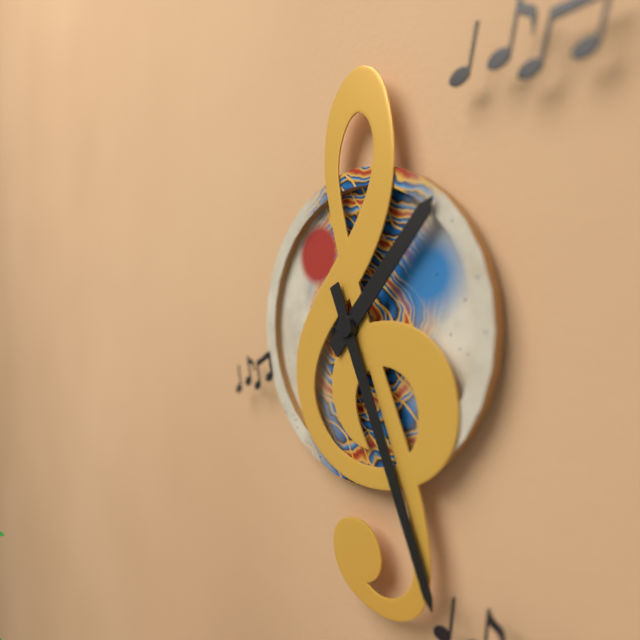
1:26
